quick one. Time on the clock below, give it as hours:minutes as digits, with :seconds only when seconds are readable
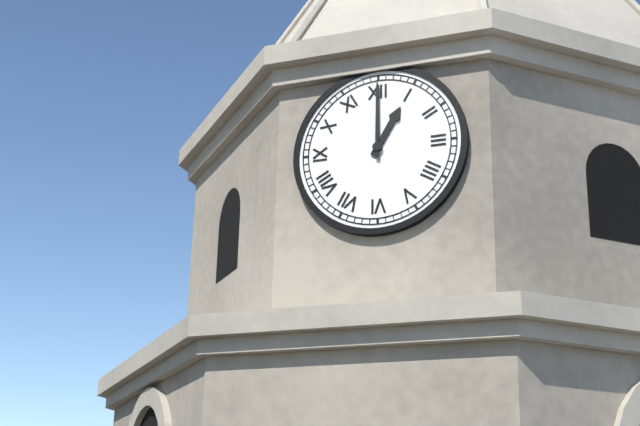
1:00
